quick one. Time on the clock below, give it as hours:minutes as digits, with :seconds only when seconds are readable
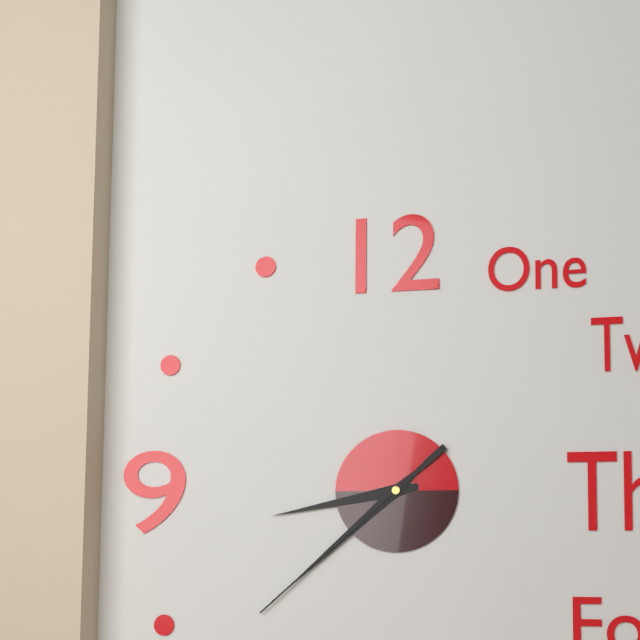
8:38:38
